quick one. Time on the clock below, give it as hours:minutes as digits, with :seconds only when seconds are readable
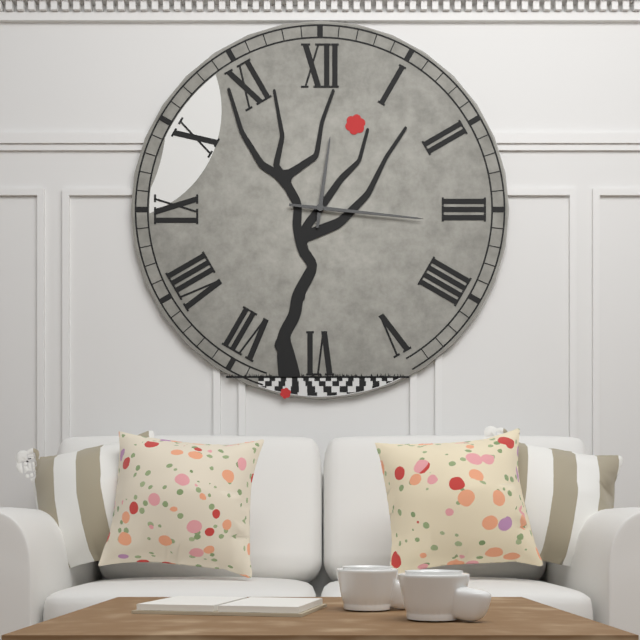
12:16
